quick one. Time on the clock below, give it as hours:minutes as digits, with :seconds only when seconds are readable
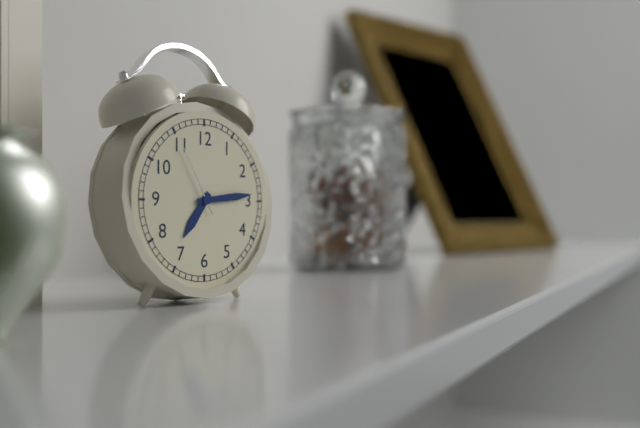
7:14:55
